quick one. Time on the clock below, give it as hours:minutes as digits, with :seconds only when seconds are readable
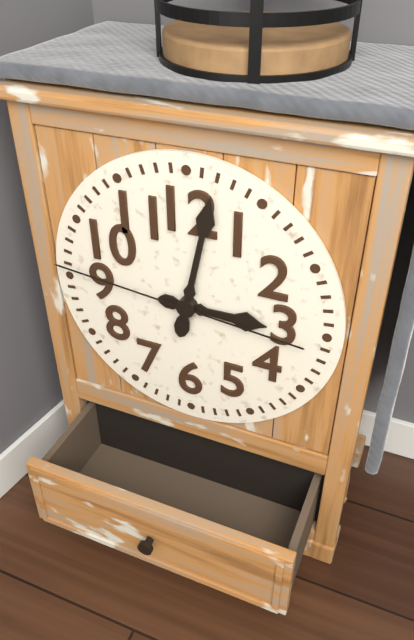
3:02:46
